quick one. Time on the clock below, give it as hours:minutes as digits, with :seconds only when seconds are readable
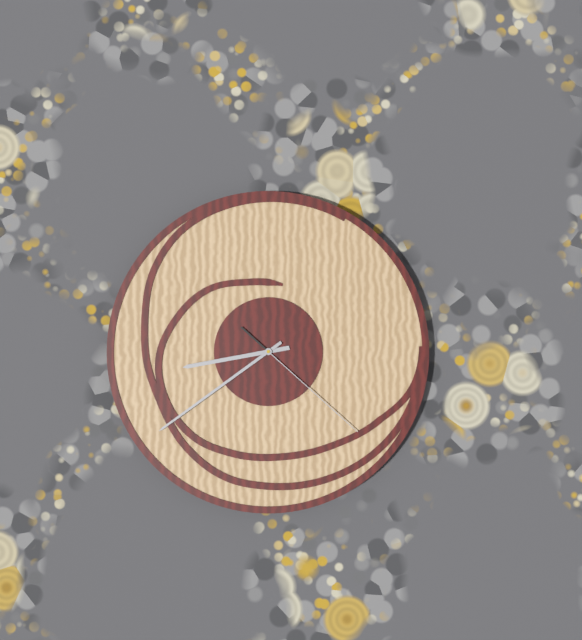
8:39:22
